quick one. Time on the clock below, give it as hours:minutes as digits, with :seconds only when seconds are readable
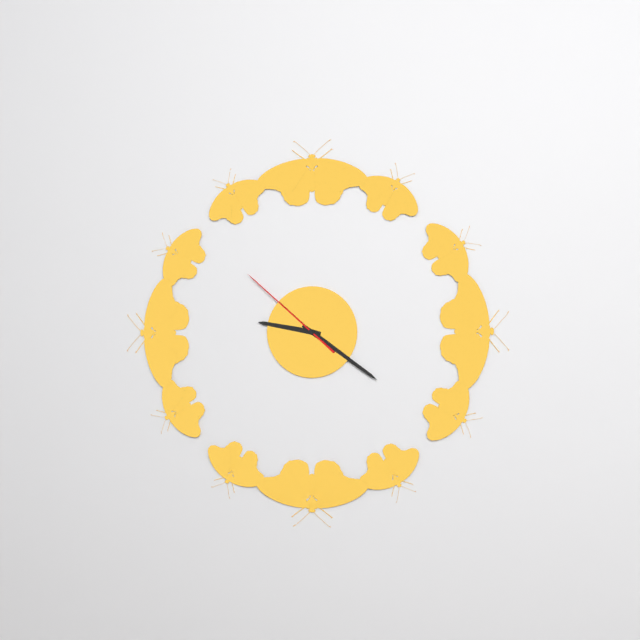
9:21:52
